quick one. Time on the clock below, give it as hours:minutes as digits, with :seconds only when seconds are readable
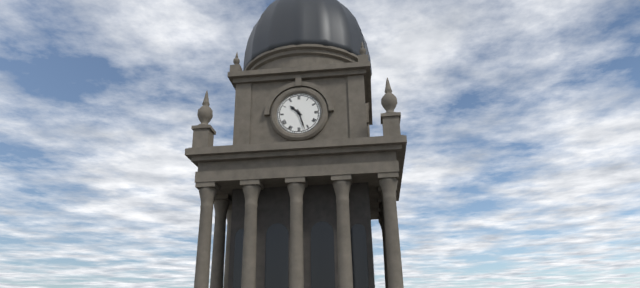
10:27
